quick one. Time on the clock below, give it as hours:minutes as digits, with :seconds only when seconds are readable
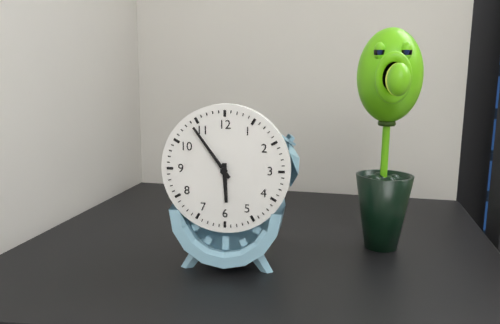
5:54
